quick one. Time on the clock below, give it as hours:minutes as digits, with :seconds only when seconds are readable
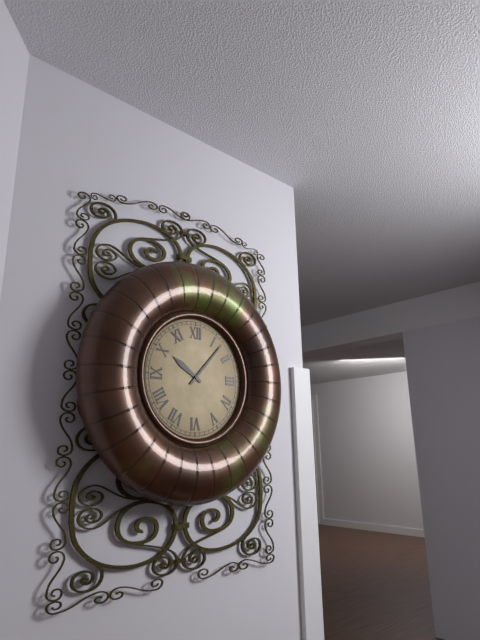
10:07
